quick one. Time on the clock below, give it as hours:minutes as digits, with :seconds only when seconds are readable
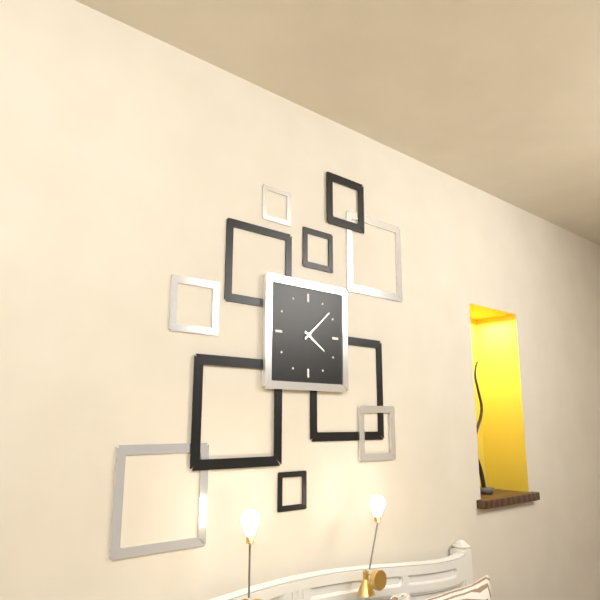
4:08
